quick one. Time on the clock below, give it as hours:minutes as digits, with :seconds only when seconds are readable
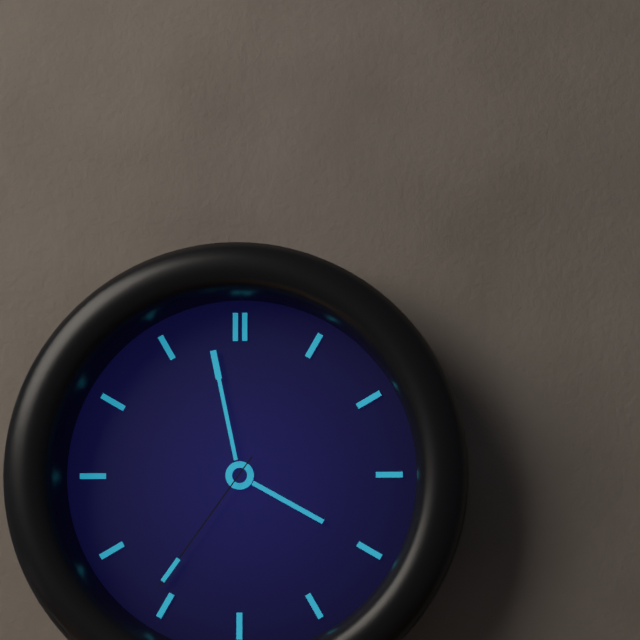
3:58:36
